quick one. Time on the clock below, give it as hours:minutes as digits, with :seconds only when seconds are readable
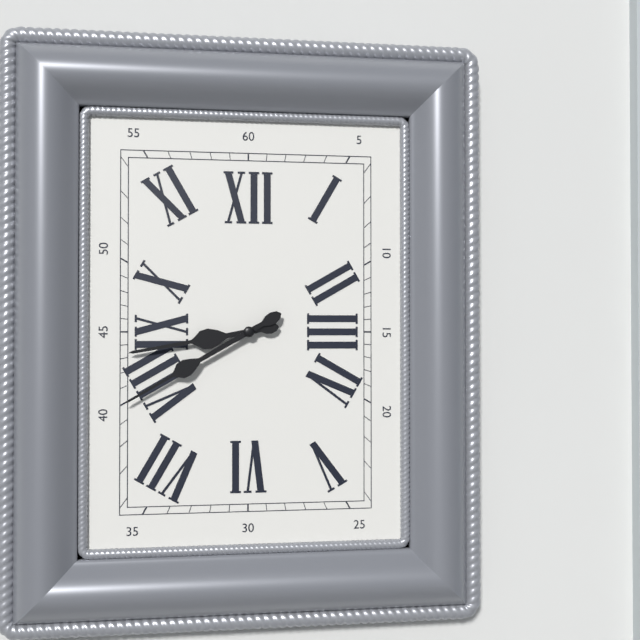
8:40
